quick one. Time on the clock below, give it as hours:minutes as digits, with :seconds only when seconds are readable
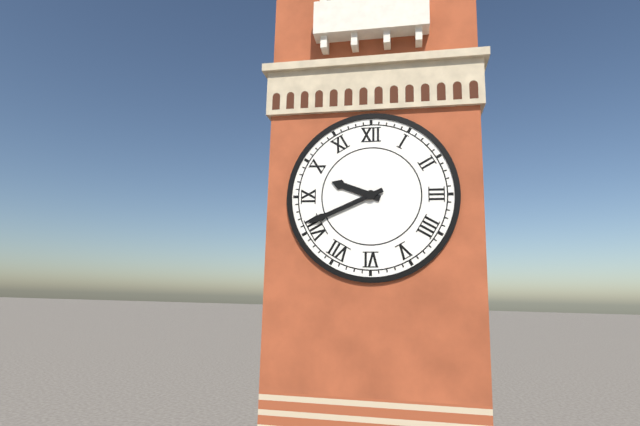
9:41
